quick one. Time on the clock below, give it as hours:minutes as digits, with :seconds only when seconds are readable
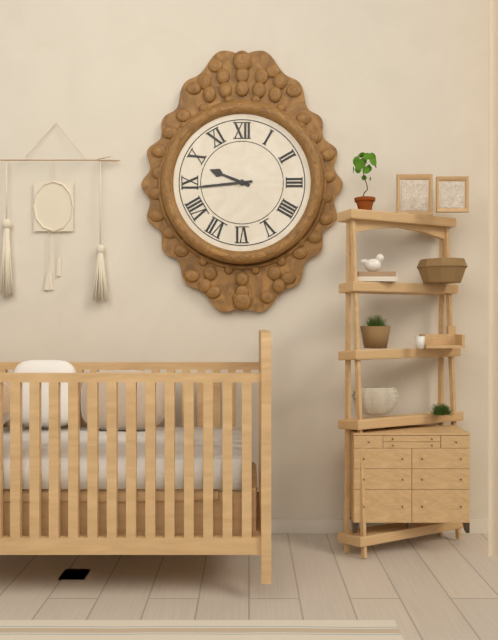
9:44
